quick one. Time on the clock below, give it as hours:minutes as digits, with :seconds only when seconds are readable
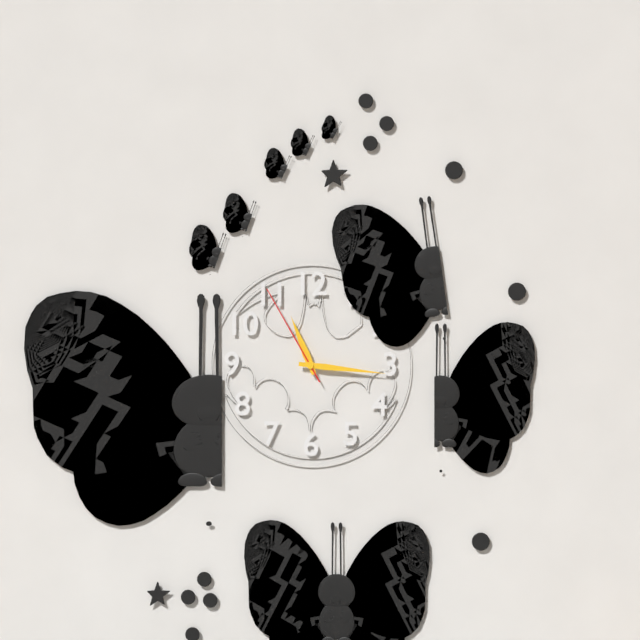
11:16:55
